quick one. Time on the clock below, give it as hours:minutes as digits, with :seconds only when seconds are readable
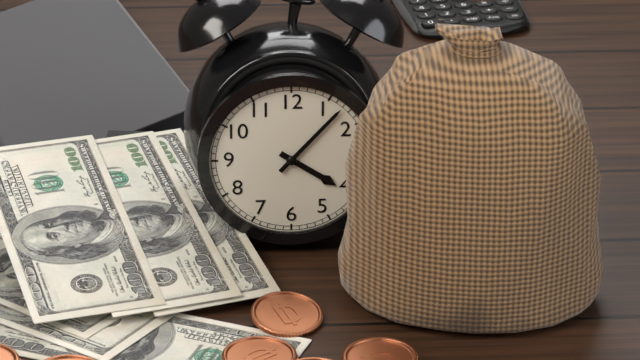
4:07
